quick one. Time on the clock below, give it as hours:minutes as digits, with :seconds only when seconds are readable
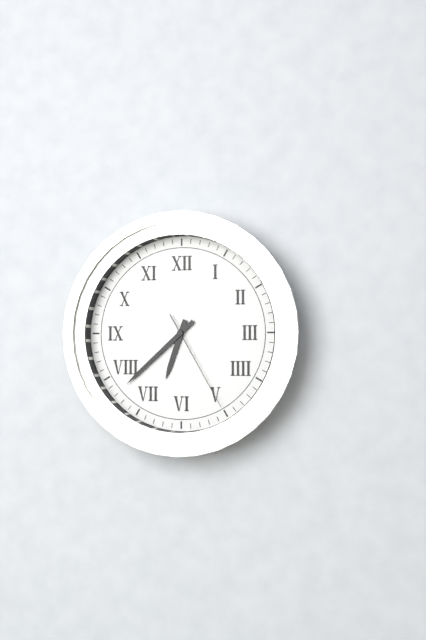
6:38:25
